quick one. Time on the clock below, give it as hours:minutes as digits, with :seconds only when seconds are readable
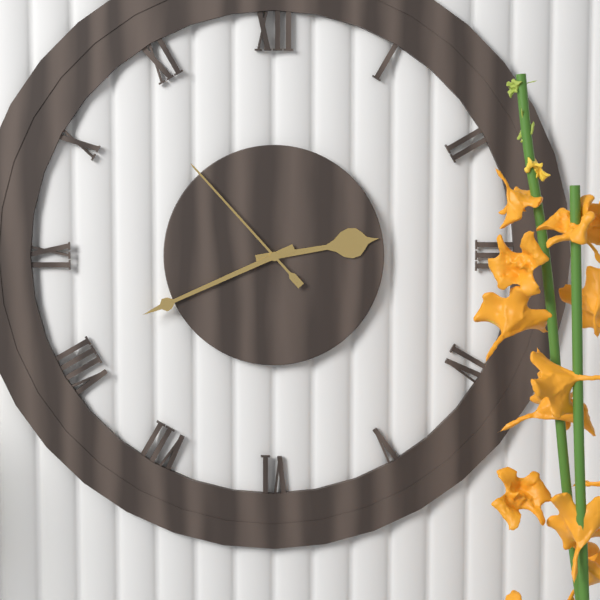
2:41:53
